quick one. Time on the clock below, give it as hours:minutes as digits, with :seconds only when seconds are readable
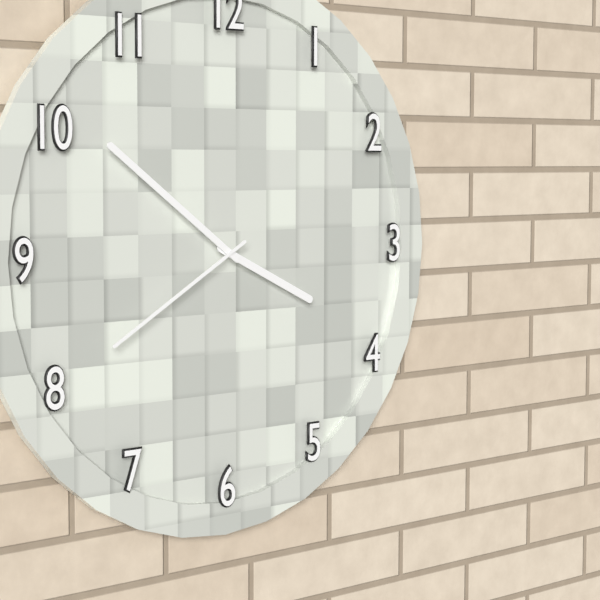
3:51:40
